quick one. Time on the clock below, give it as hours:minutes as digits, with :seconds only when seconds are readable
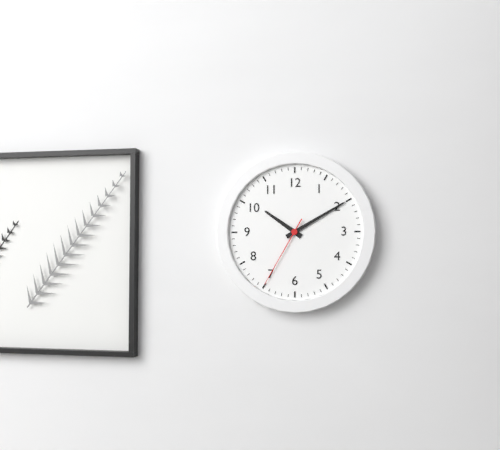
10:10:35
